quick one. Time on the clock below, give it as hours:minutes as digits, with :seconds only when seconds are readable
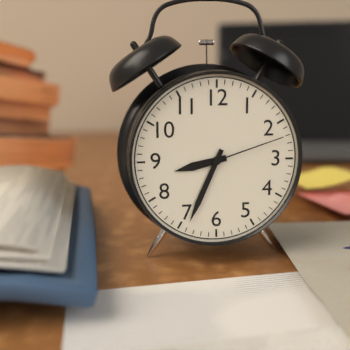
8:34:12
